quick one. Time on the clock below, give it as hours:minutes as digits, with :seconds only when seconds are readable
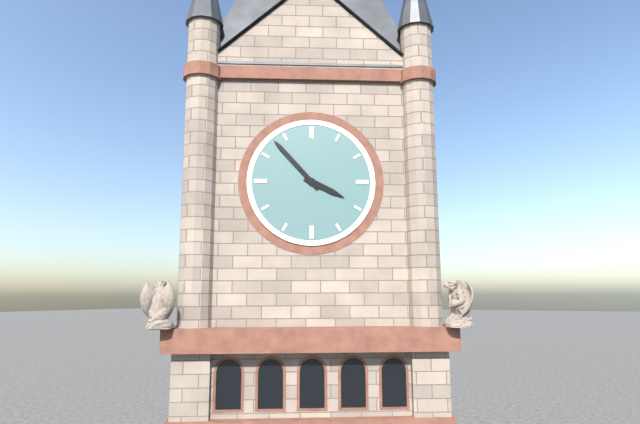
3:53
